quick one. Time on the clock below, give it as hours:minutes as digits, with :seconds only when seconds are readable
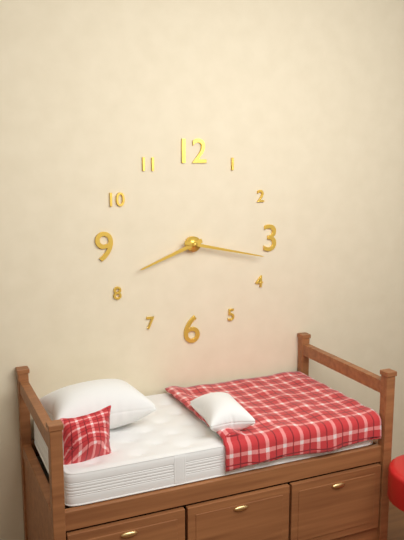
8:17
